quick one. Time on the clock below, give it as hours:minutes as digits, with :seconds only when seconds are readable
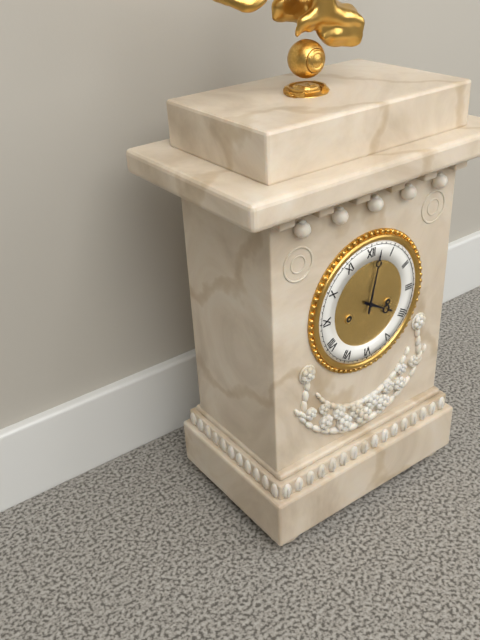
4:02
